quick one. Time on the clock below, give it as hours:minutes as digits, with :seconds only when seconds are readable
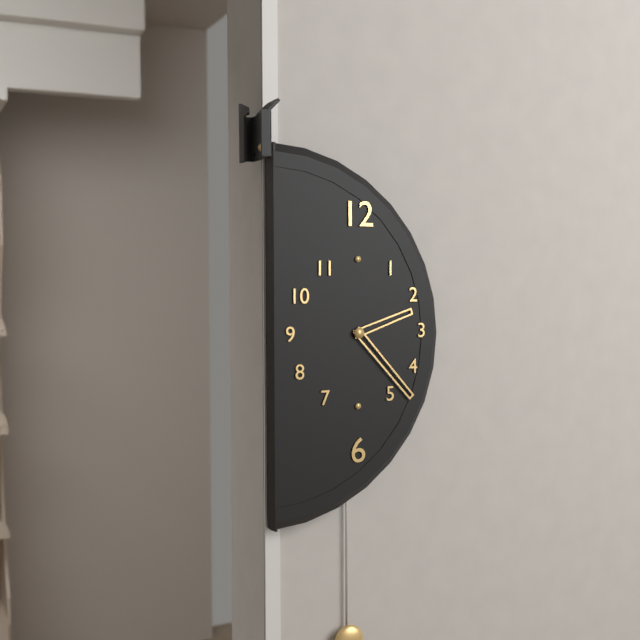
2:23
